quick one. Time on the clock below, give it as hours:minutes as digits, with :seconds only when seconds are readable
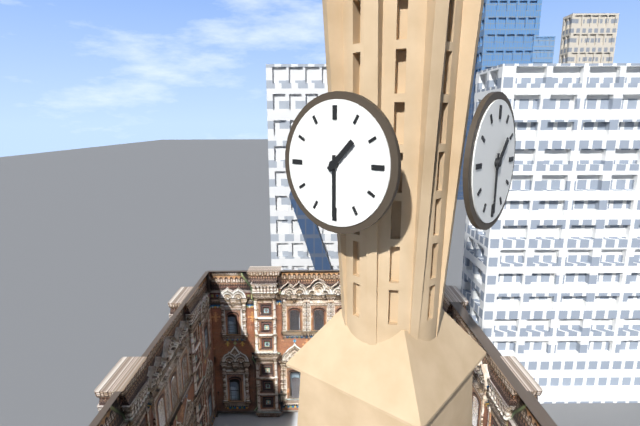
1:30
